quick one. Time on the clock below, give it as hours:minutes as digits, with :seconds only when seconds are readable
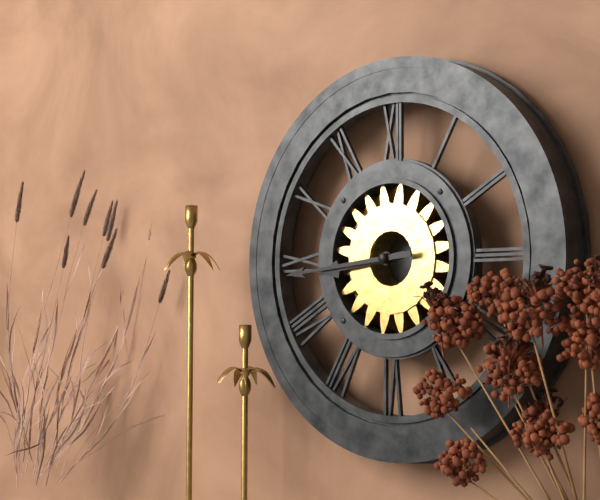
8:44
